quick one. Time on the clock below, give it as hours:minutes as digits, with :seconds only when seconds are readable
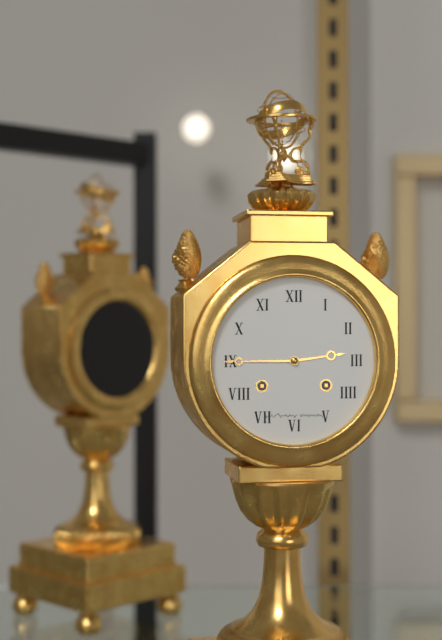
2:45
